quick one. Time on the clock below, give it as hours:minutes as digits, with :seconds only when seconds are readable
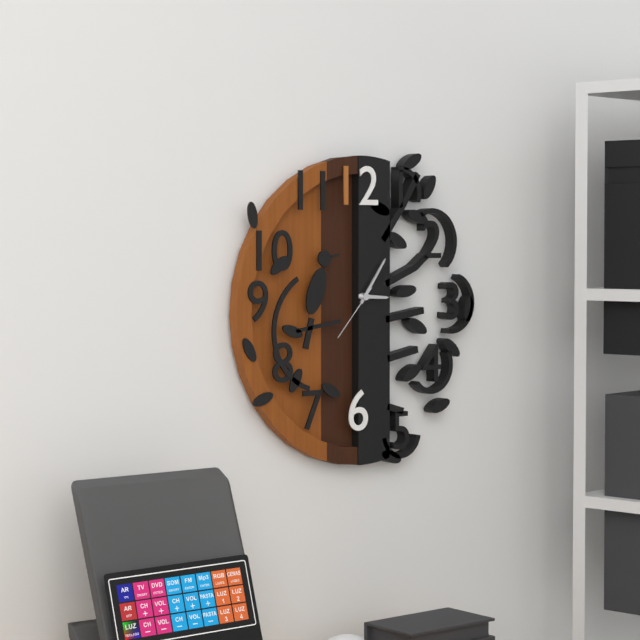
3:06:37
